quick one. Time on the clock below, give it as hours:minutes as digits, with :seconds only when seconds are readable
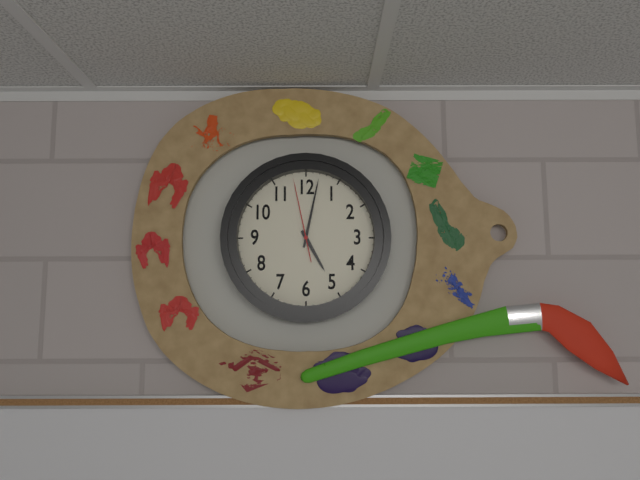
5:02:58
